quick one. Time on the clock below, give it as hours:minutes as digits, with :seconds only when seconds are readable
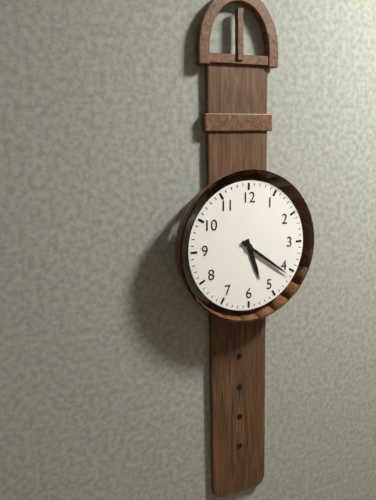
5:21
